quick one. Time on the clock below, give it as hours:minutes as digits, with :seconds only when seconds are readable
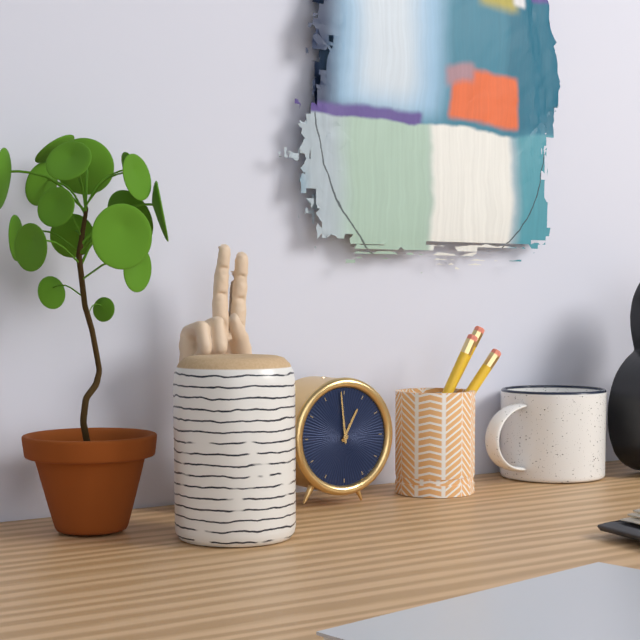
12:59
